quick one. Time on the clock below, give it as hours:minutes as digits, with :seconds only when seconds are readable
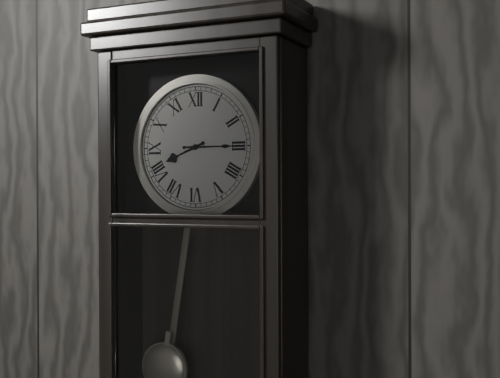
8:15
